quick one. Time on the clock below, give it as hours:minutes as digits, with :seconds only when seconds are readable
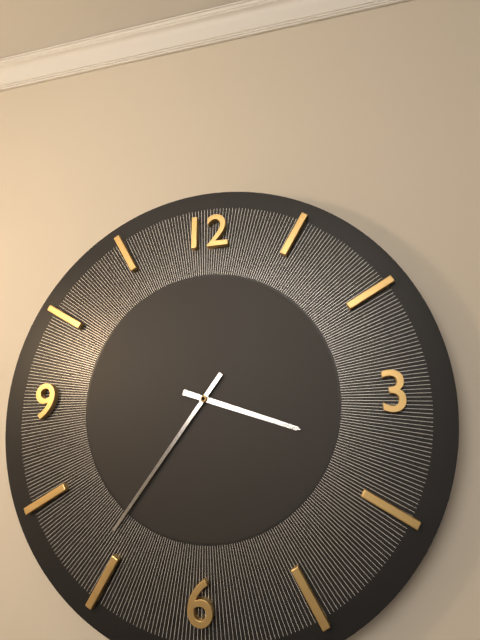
3:36
